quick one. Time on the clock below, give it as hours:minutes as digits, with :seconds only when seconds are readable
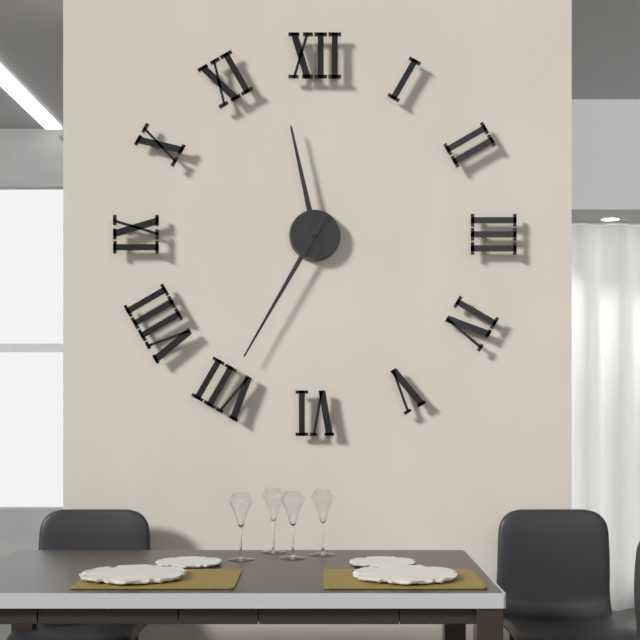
11:35
